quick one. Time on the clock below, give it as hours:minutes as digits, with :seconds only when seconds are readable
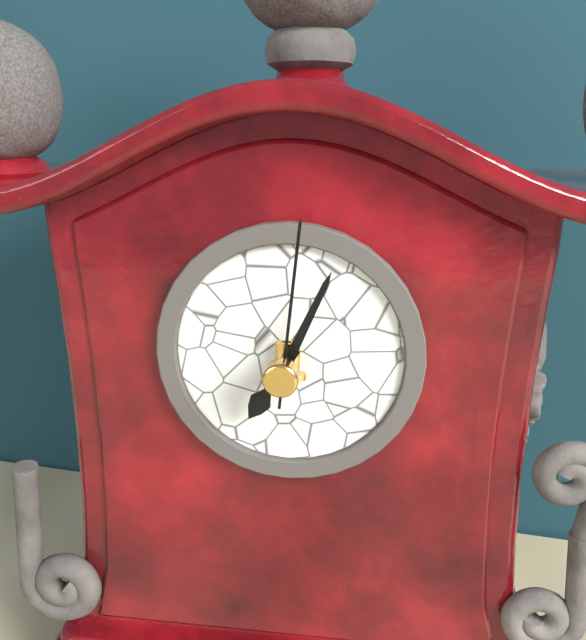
7:04:01
